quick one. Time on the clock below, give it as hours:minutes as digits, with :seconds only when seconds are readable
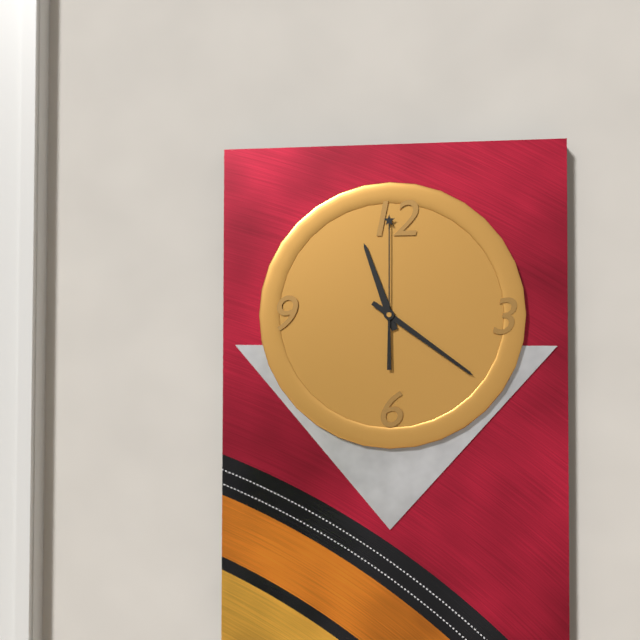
11:21:00
